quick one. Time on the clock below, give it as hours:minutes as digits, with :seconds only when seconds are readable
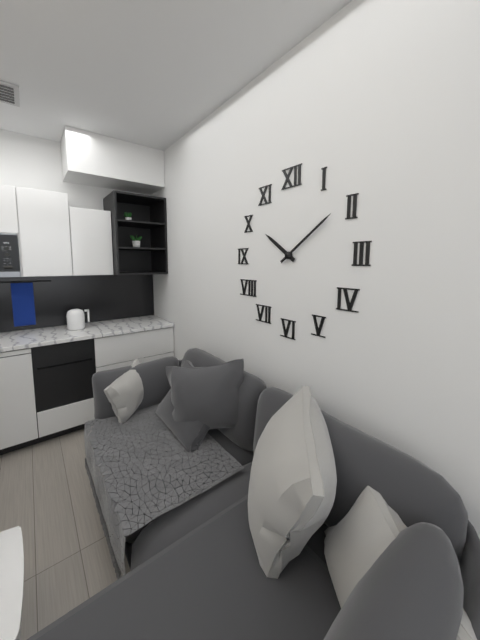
10:09
